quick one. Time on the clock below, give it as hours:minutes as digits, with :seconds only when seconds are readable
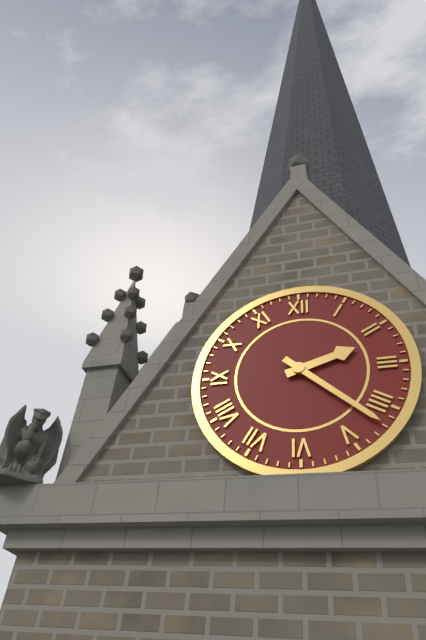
2:22
